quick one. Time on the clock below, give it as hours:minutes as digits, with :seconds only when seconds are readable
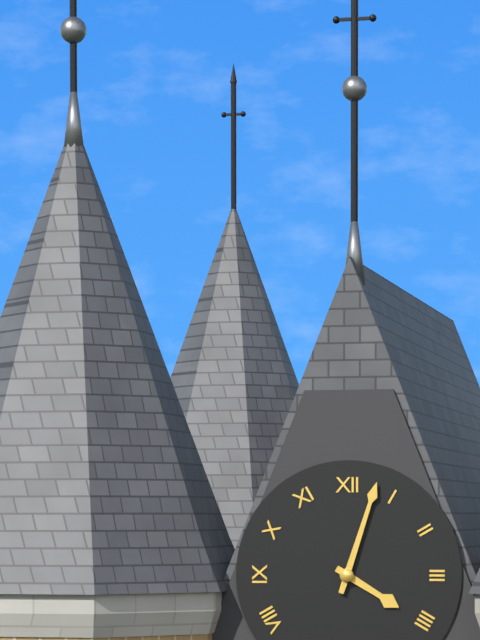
4:03
